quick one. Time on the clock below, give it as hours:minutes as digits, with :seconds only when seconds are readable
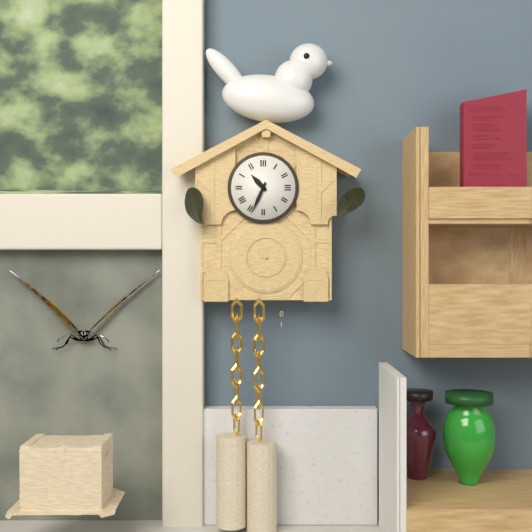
10:34
